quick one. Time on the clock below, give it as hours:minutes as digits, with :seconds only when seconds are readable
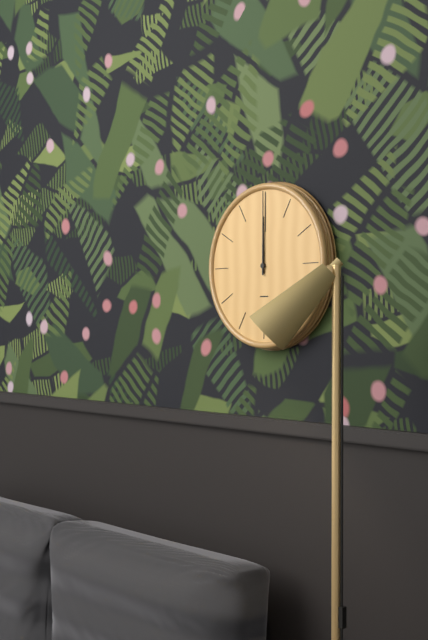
12:00
